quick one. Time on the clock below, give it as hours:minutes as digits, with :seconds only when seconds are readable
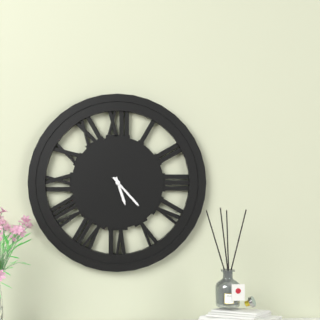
5:23
